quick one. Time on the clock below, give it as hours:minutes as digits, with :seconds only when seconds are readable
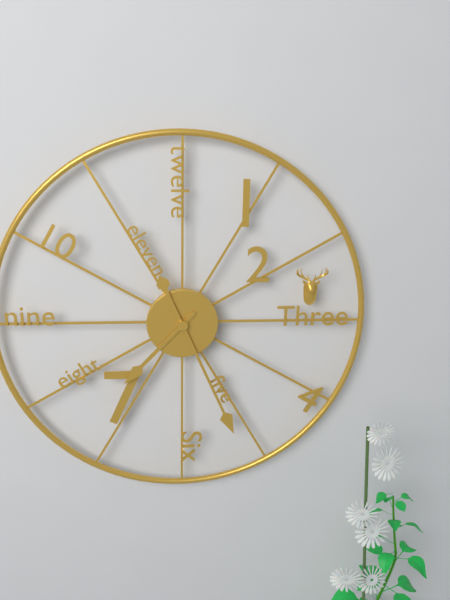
7:26
